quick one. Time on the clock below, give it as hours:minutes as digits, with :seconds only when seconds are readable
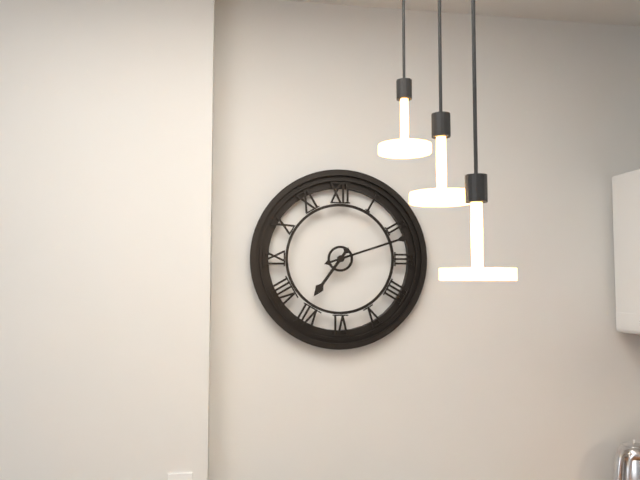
7:12
